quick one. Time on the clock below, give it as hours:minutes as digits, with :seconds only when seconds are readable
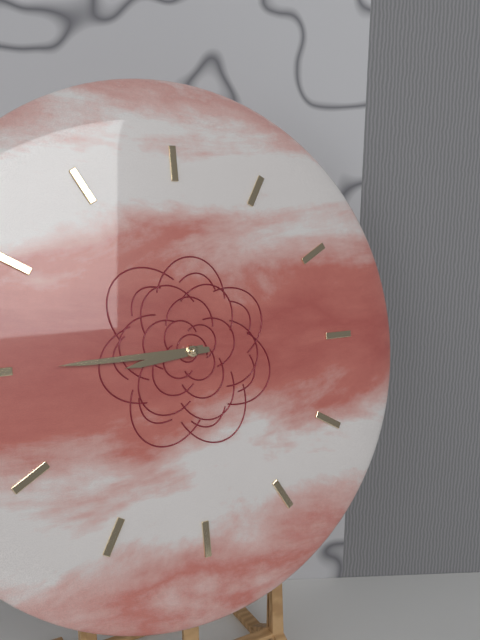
8:45
